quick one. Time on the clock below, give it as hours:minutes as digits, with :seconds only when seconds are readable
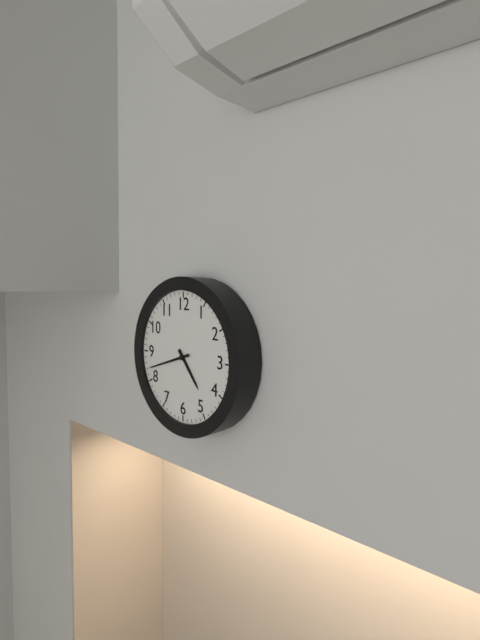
4:42
